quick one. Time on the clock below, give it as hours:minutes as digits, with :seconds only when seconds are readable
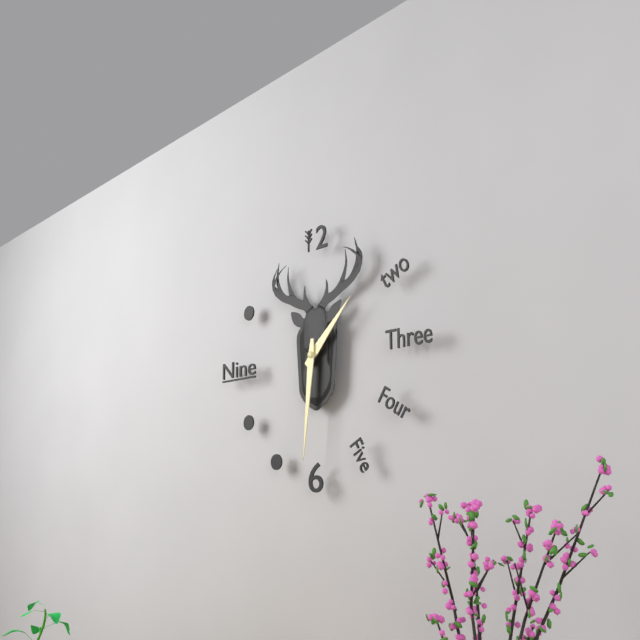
1:31
